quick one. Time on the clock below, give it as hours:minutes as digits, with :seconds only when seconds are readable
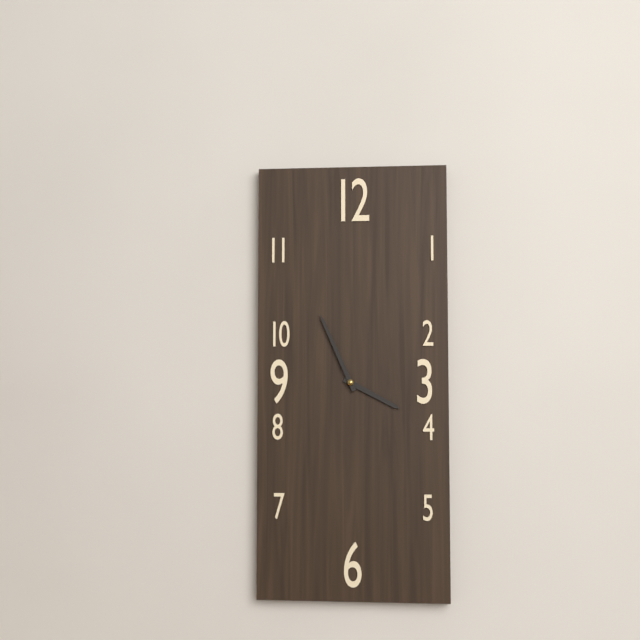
3:56
